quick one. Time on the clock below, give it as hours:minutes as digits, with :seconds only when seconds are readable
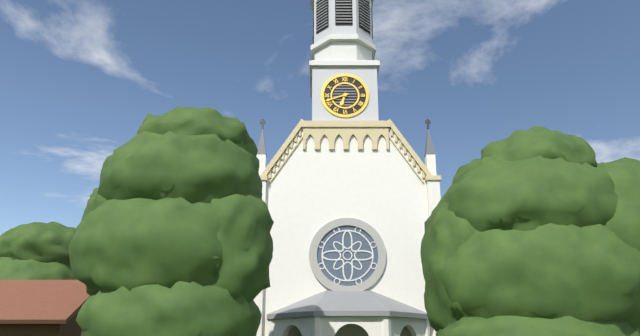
6:42
